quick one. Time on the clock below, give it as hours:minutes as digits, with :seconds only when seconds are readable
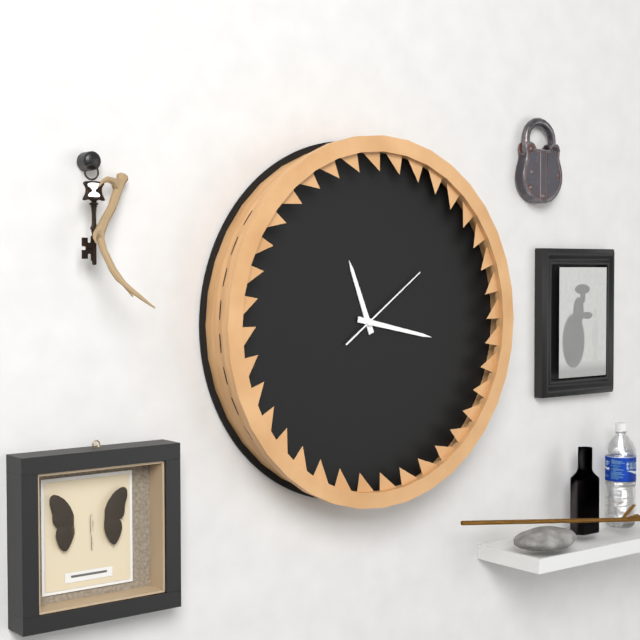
11:17:09
